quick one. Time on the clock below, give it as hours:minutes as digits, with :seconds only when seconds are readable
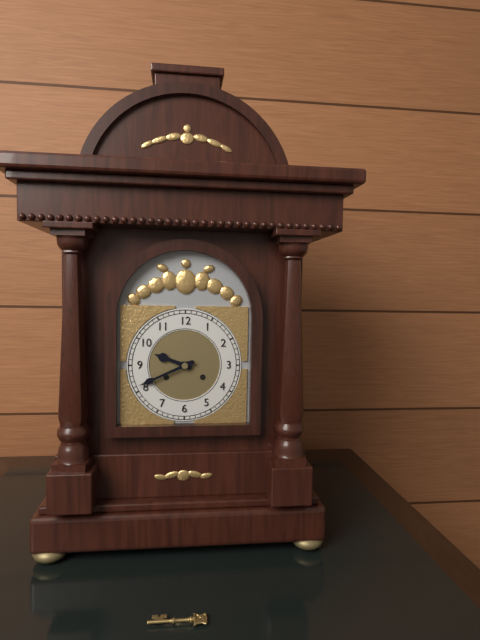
9:41
